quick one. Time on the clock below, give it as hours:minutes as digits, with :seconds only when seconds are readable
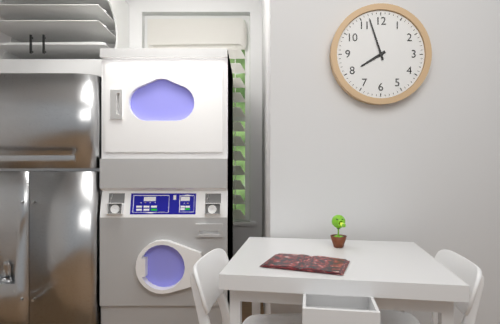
7:57
